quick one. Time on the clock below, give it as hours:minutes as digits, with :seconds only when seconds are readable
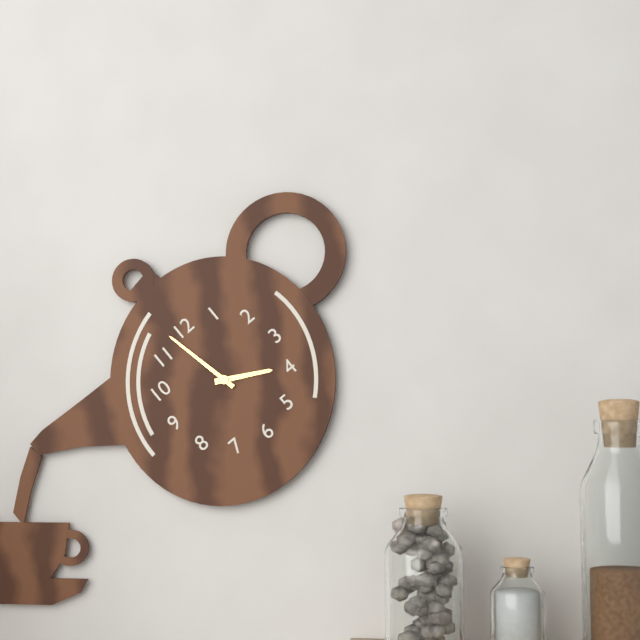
3:58
